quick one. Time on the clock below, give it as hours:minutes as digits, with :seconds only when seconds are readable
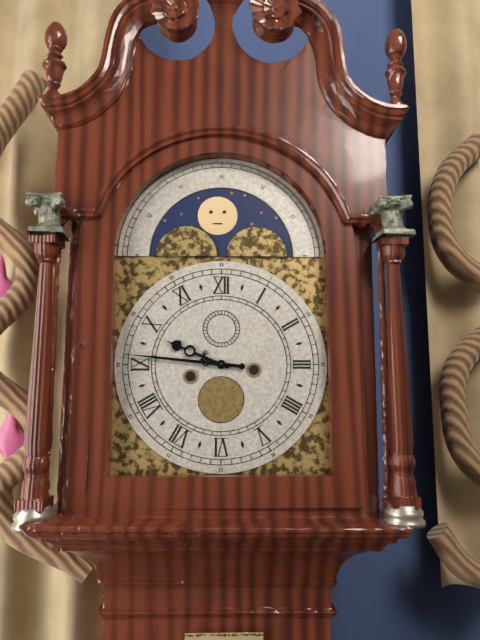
9:46
